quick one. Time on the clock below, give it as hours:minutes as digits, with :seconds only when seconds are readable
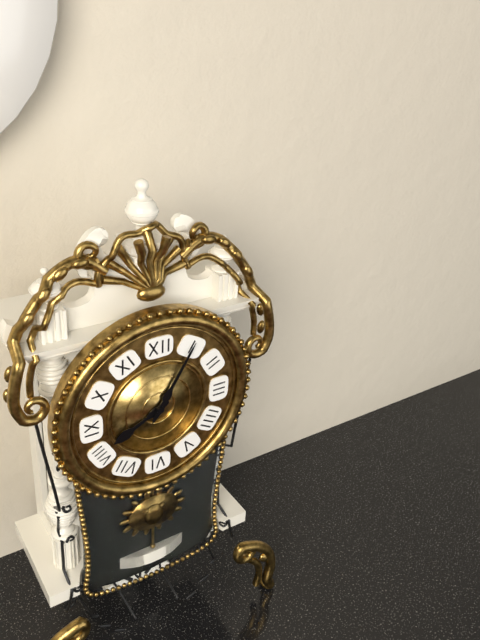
8:05
